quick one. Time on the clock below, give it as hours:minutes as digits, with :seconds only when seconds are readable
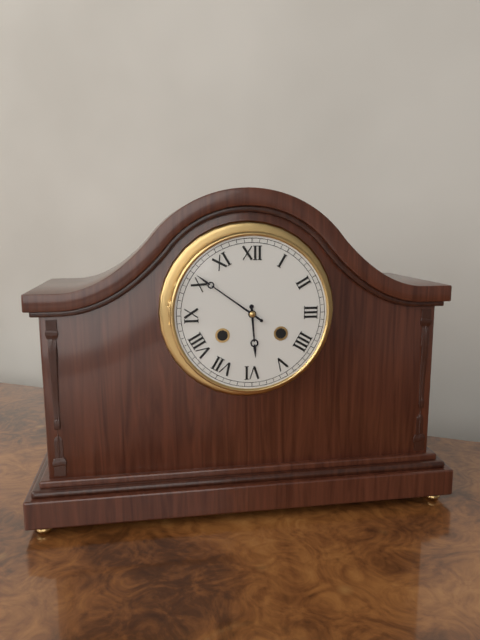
5:51
